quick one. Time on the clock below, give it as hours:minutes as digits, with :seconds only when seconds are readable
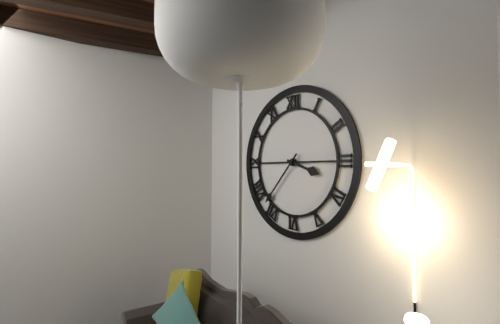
3:37
